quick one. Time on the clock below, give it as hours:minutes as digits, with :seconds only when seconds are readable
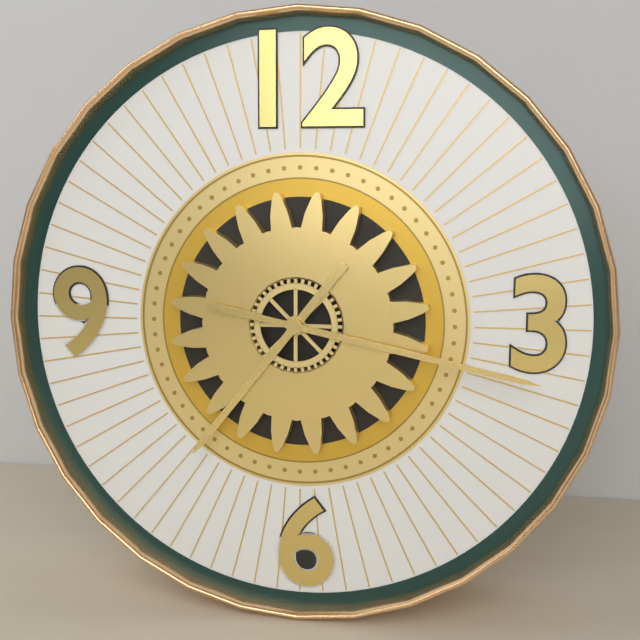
7:17
